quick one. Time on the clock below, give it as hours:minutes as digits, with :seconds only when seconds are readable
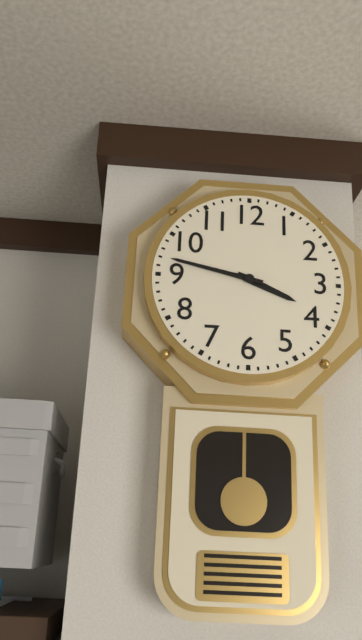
3:47
